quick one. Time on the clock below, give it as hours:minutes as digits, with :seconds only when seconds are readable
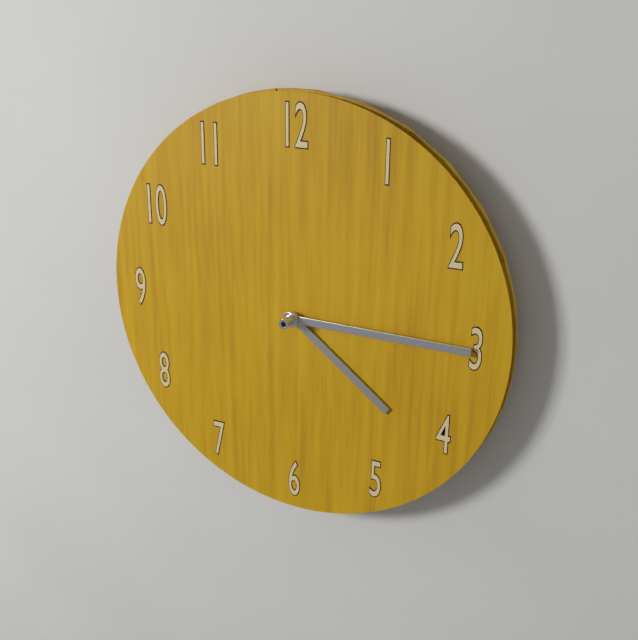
4:15
